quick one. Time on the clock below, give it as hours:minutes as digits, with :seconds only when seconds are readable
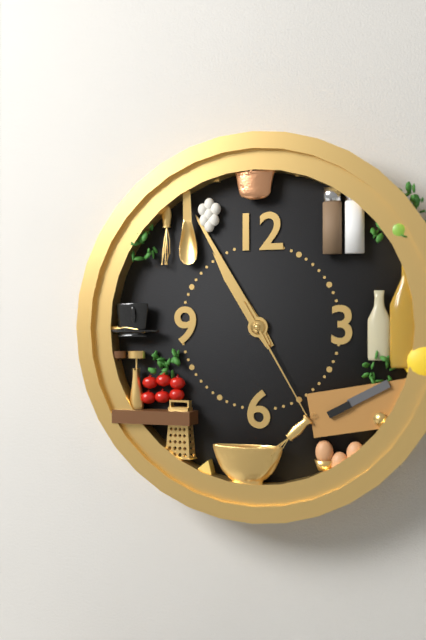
10:55:25
